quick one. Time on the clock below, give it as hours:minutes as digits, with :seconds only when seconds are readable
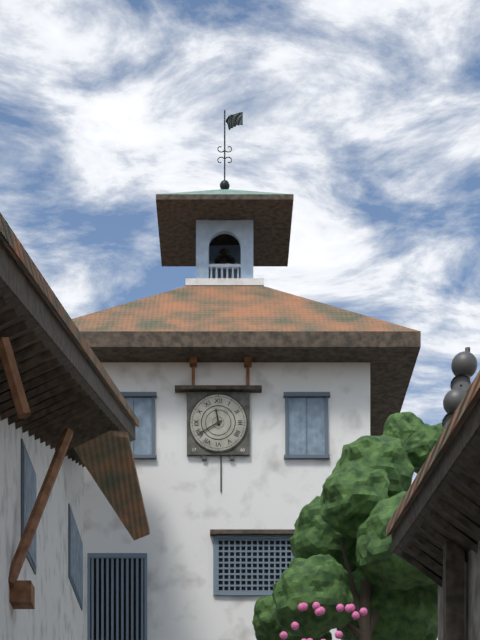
11:40
